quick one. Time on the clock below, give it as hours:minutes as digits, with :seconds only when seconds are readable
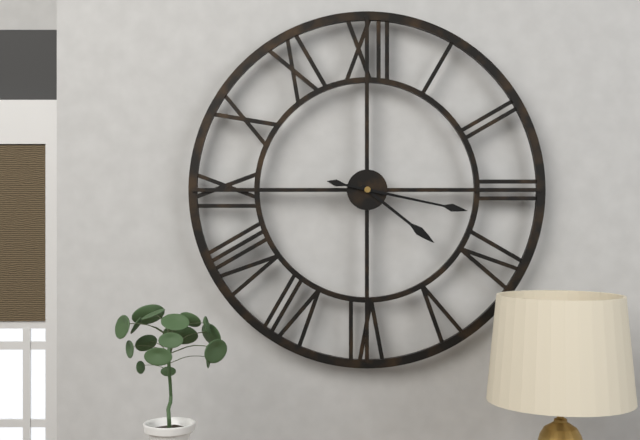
4:17
